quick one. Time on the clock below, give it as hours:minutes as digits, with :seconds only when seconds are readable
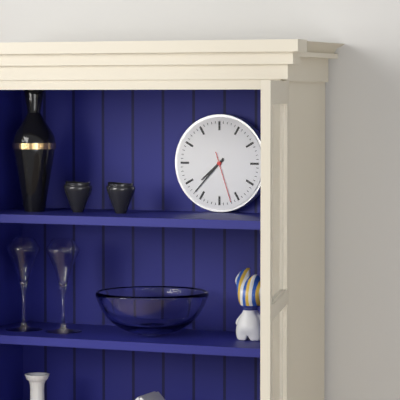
7:37:27
